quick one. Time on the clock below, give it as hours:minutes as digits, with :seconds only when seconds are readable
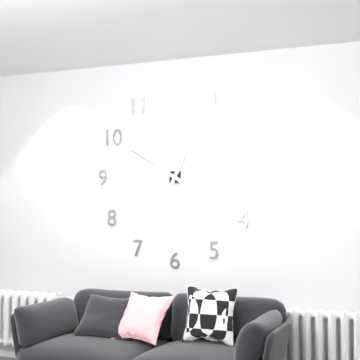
12:50
